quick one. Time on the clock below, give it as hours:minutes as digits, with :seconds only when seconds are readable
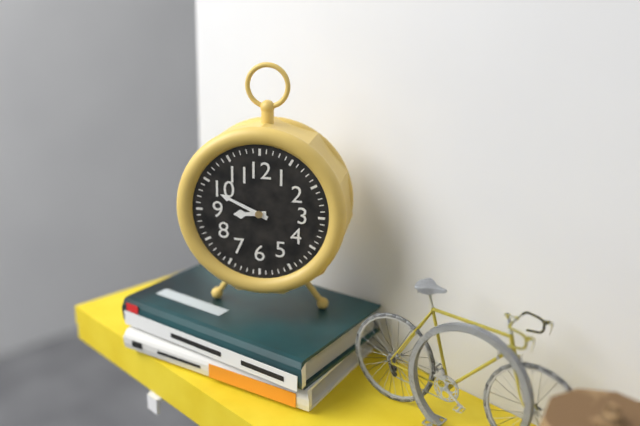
8:49
